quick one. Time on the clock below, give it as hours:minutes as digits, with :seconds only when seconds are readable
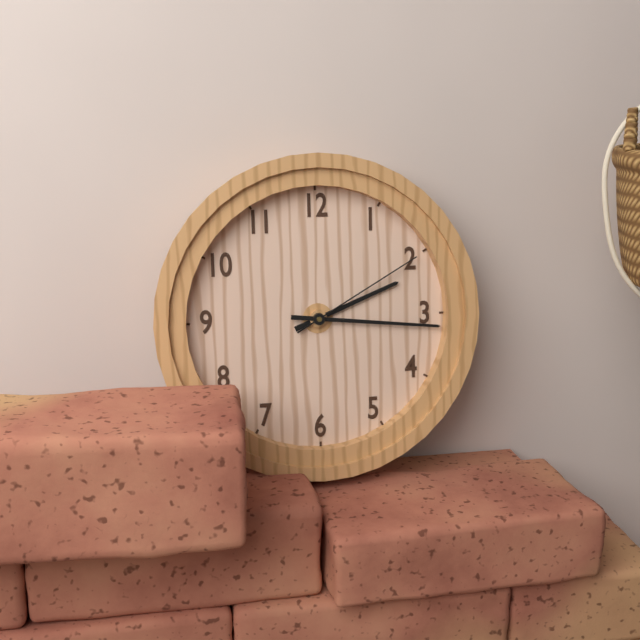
2:16:10
